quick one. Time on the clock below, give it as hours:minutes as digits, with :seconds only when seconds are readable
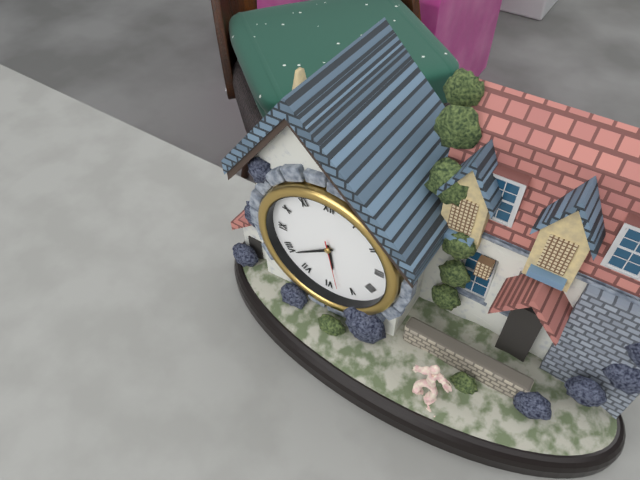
5:39:28
